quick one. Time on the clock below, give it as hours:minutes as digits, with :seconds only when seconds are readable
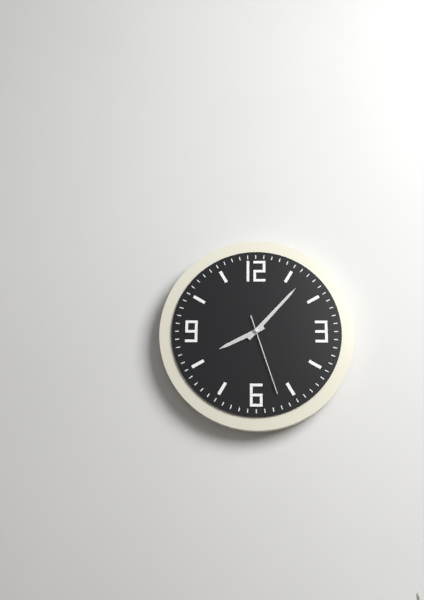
8:07:27
